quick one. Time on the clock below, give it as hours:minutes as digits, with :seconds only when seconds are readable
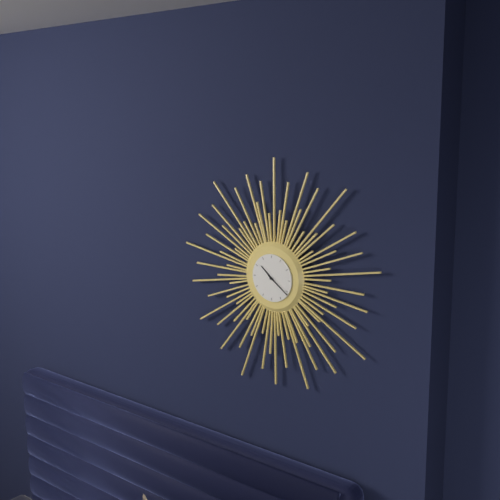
10:21
